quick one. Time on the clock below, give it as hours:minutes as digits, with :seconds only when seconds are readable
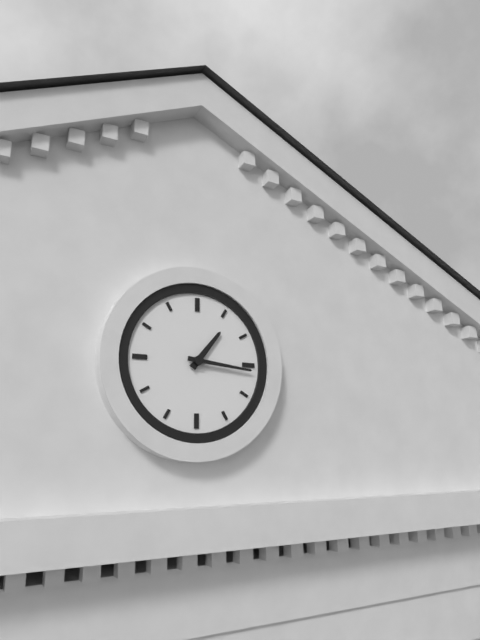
1:16
